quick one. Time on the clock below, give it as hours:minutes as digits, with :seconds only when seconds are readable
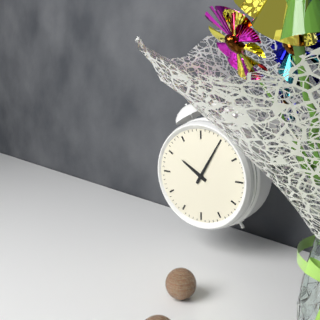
10:05
